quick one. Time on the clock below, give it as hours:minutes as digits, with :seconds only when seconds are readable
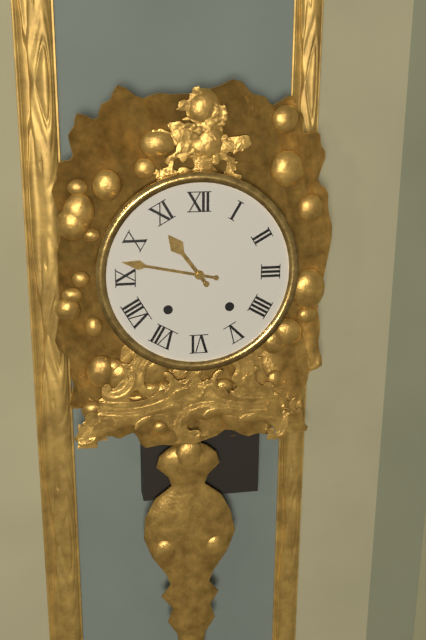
10:47
